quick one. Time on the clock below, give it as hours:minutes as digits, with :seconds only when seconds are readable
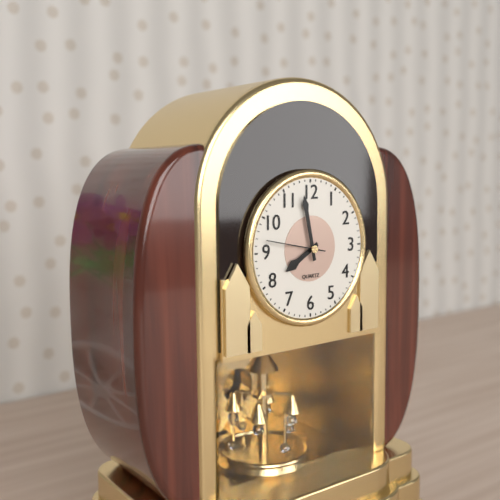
7:58:47
